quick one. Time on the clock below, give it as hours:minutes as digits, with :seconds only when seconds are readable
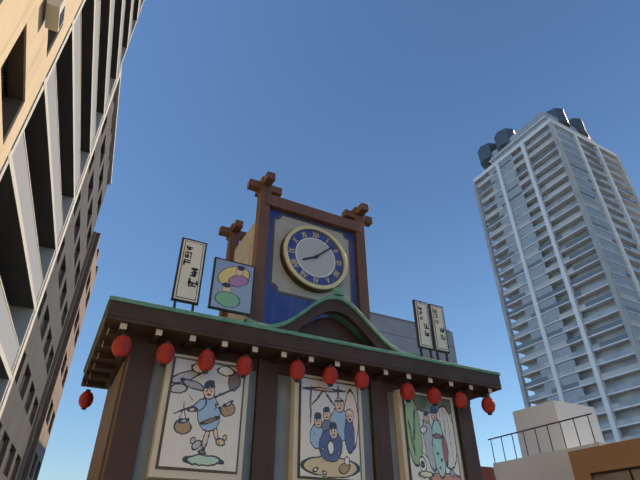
8:08
